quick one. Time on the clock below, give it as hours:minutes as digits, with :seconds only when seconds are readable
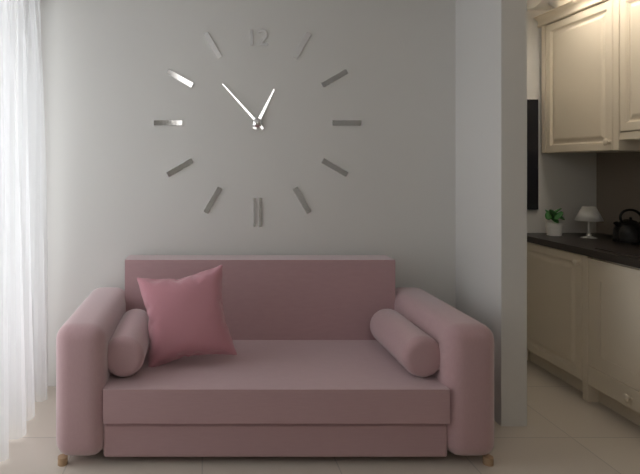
12:53
